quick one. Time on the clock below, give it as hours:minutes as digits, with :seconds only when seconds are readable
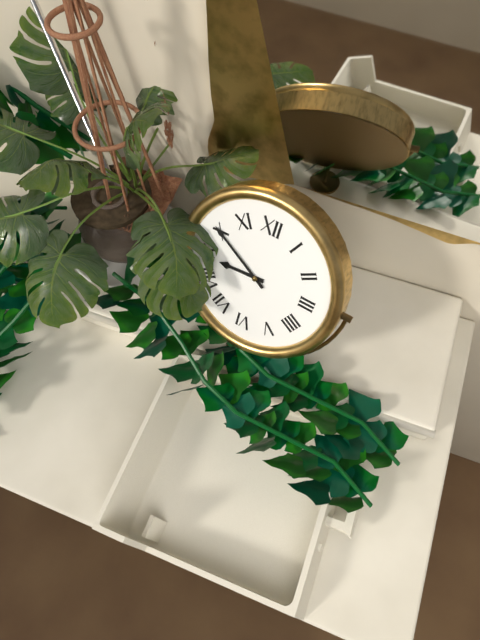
8:50
